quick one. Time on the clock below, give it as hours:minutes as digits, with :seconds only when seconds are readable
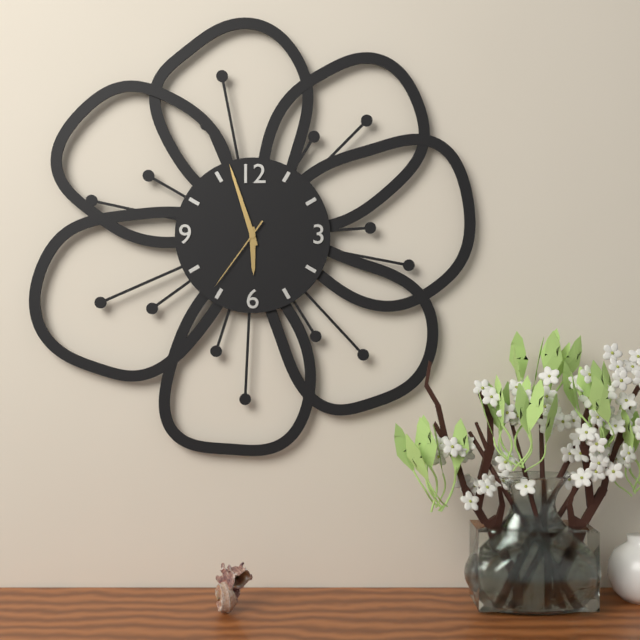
5:57:36
